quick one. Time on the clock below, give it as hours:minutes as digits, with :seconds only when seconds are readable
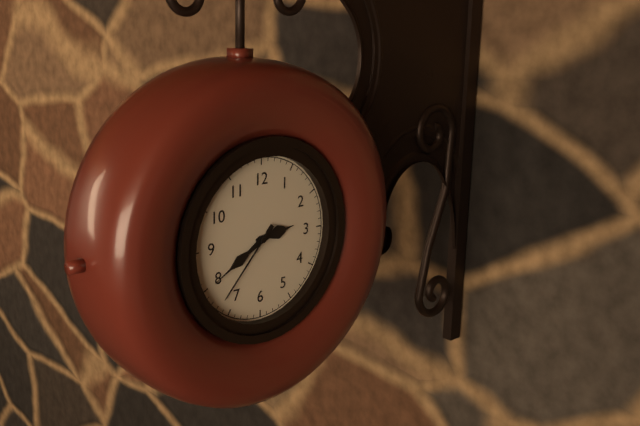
2:40:37
